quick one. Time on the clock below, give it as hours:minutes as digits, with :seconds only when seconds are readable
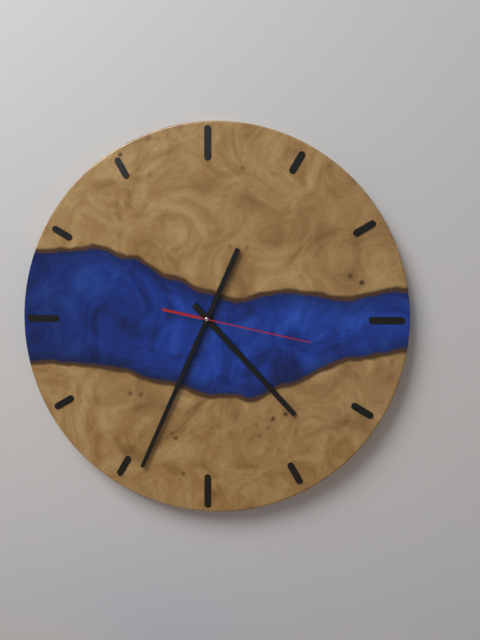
4:34:17
